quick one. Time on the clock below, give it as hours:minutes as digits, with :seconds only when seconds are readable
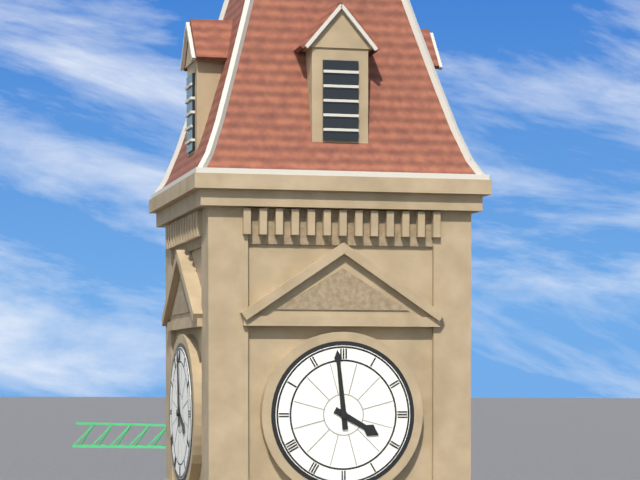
3:59
